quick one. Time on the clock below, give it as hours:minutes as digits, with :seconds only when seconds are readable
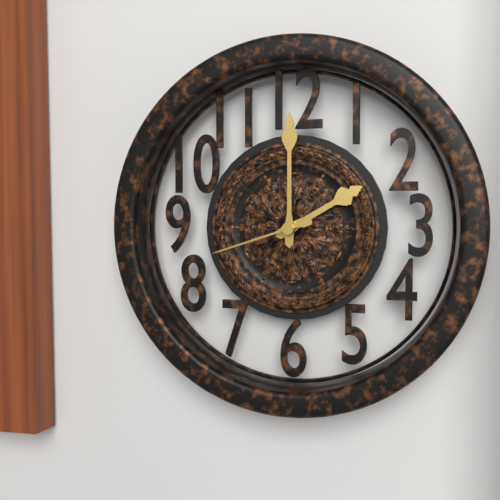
2:00:42
